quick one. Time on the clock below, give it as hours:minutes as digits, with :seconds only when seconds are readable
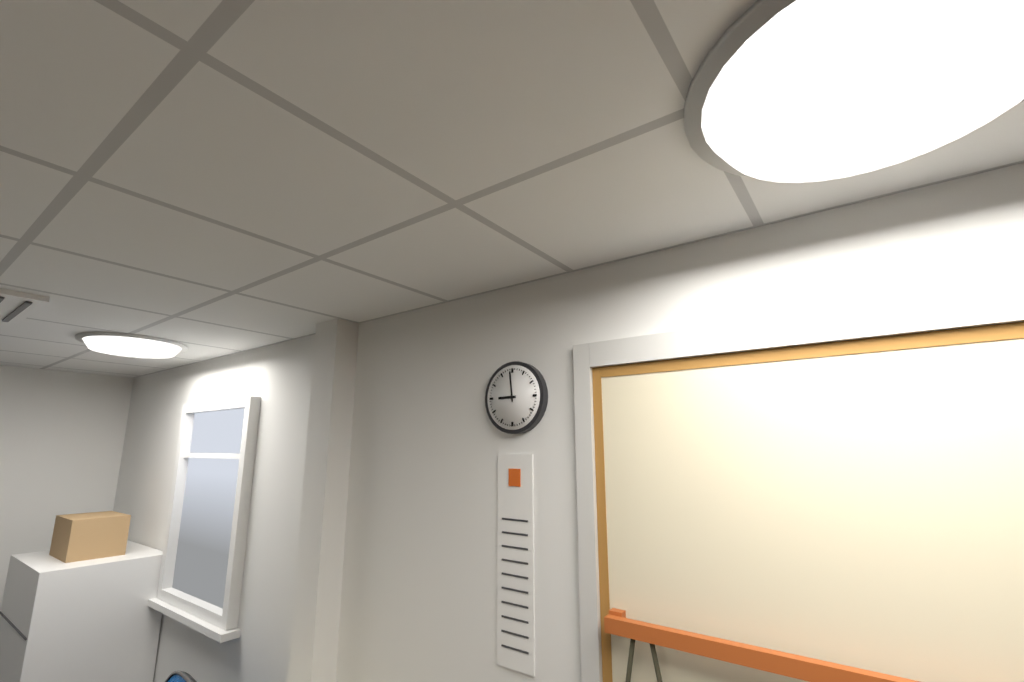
8:59
